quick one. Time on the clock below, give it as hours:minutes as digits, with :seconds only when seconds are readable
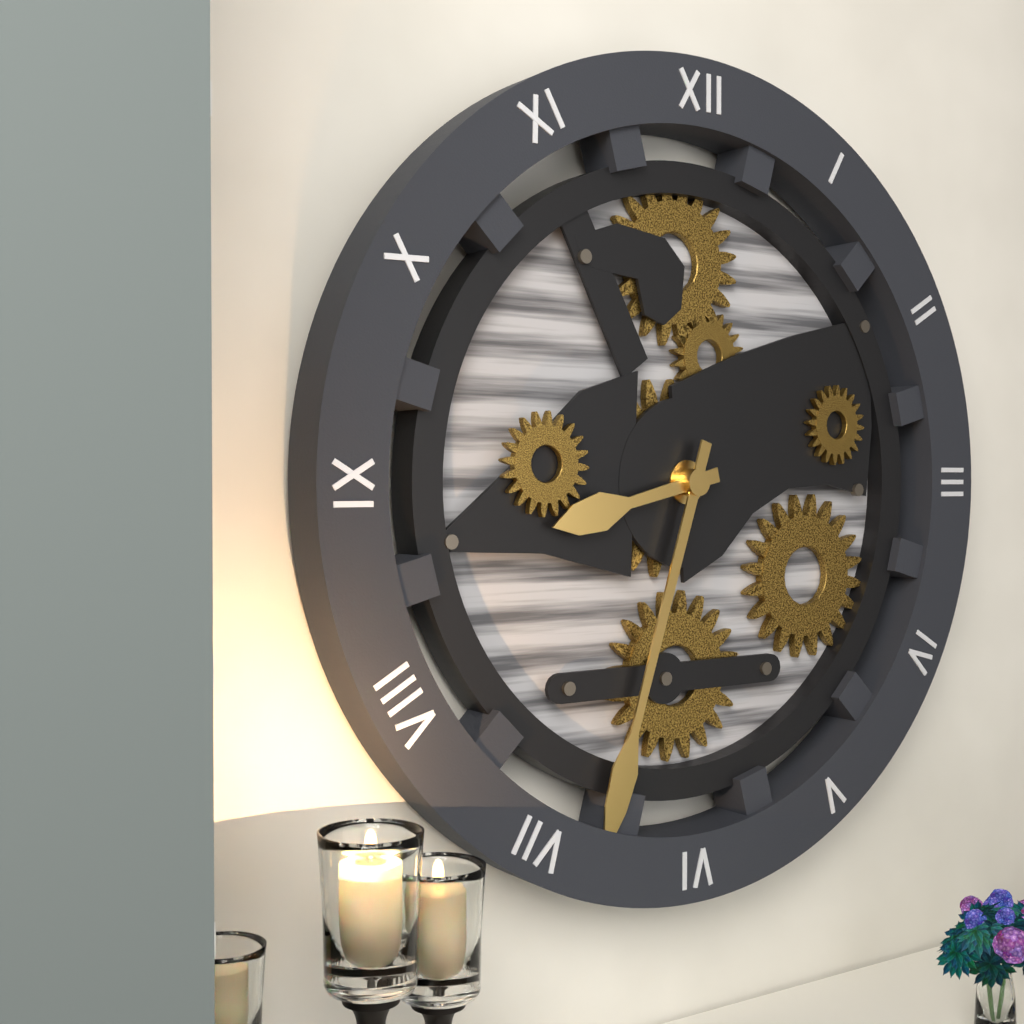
8:33
